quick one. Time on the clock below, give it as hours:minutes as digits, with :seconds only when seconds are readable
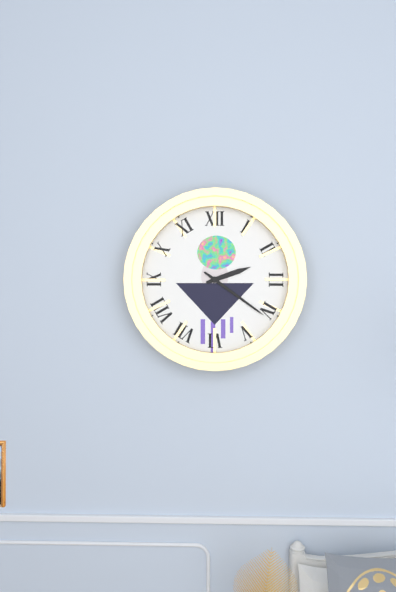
2:21
